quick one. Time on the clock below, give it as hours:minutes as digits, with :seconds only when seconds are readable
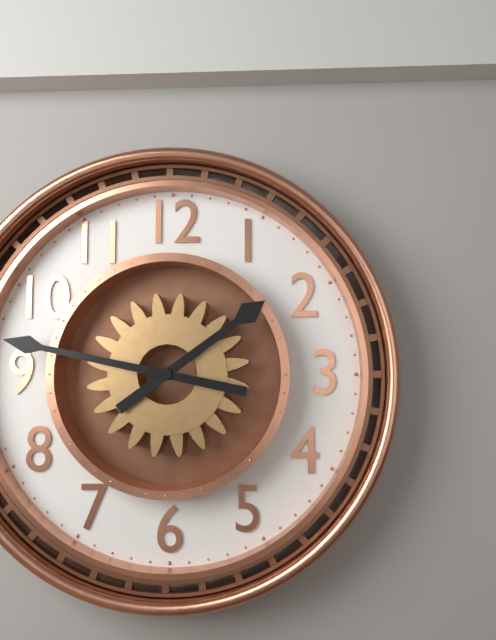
1:47
